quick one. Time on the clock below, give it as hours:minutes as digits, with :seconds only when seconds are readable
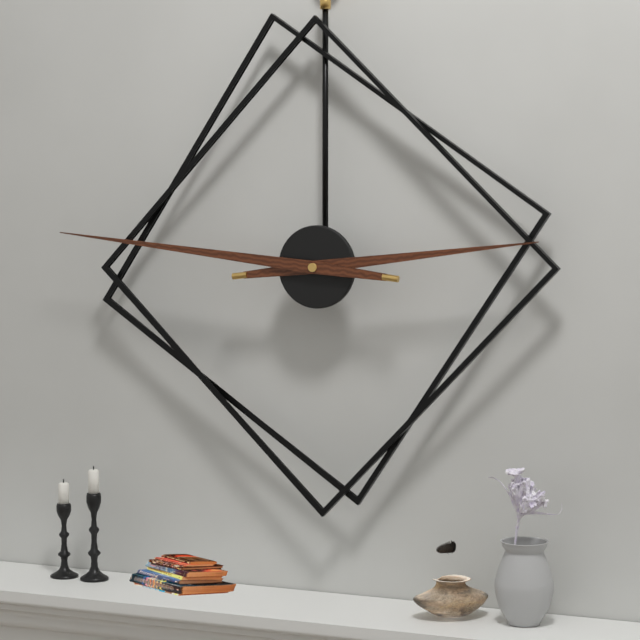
2:46
